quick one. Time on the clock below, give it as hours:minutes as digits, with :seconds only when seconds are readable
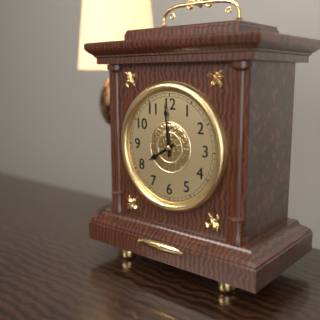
7:59
